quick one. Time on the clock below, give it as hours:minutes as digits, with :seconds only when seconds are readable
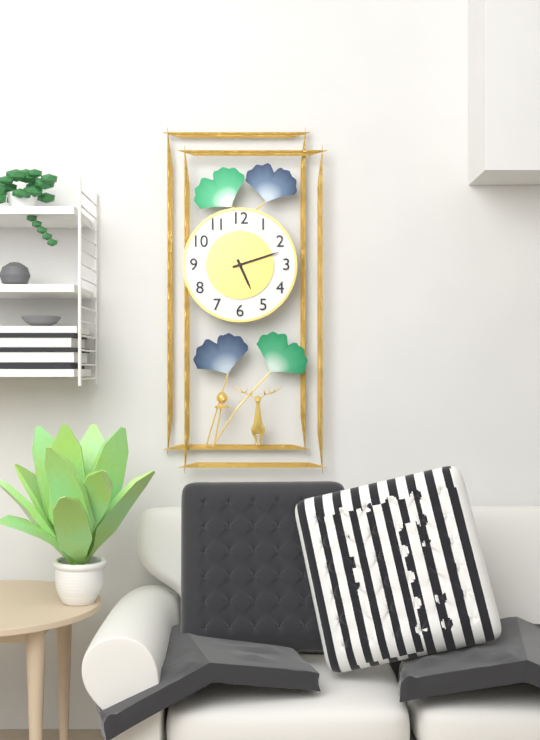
5:12
